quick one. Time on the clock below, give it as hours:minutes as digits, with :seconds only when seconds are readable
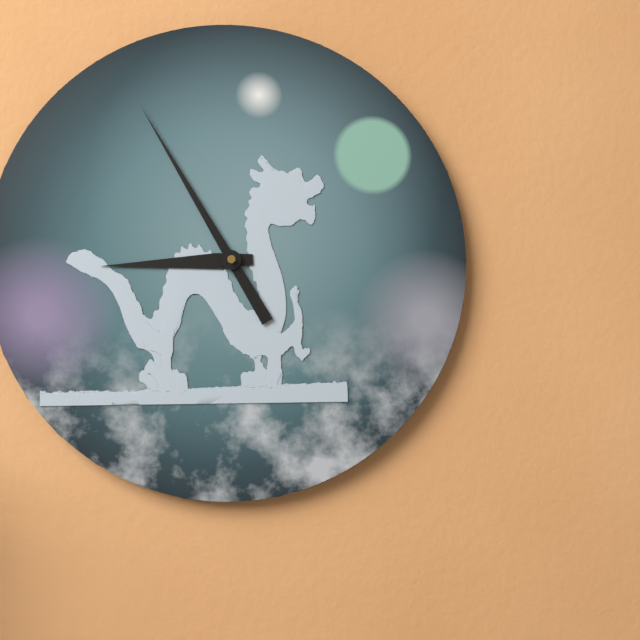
8:55
